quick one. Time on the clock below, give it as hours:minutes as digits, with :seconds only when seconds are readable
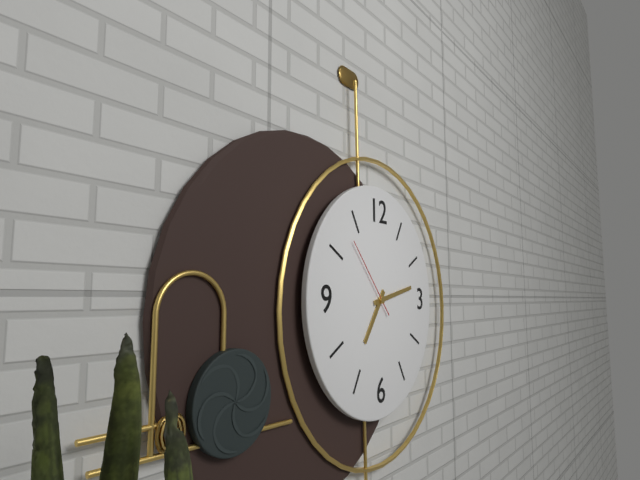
7:13:53
